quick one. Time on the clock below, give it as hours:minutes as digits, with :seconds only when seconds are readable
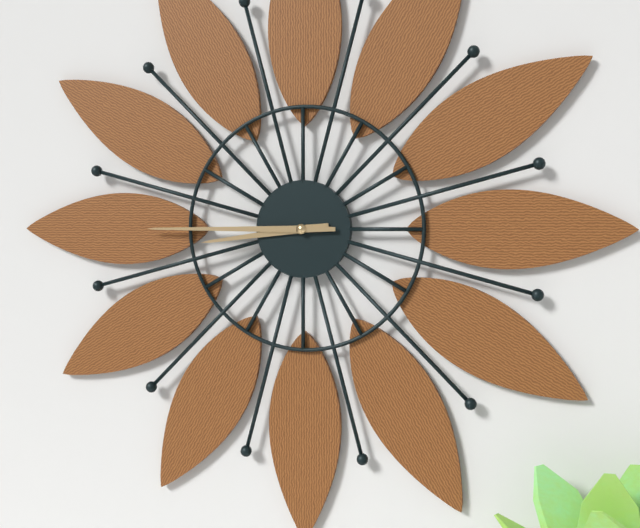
8:45
